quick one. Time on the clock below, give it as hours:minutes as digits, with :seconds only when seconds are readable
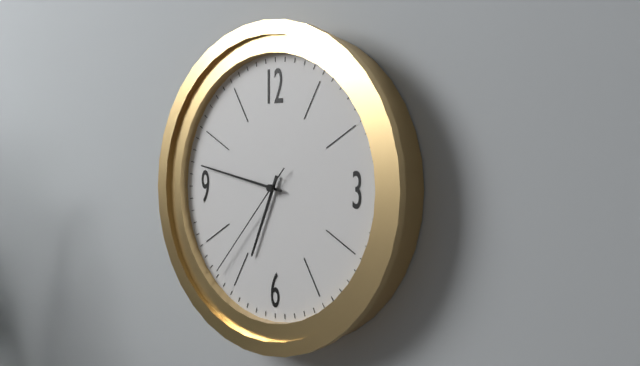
6:47:37
